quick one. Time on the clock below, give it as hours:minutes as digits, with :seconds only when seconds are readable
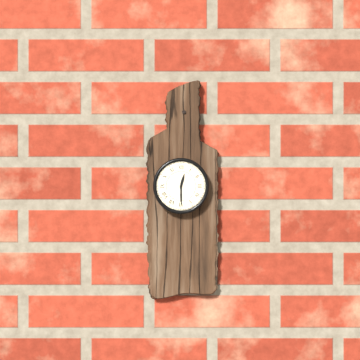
12:30
